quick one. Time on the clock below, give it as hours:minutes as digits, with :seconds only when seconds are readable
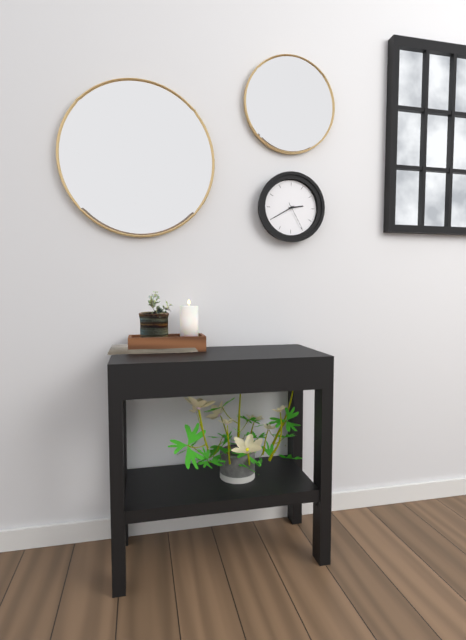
2:40
